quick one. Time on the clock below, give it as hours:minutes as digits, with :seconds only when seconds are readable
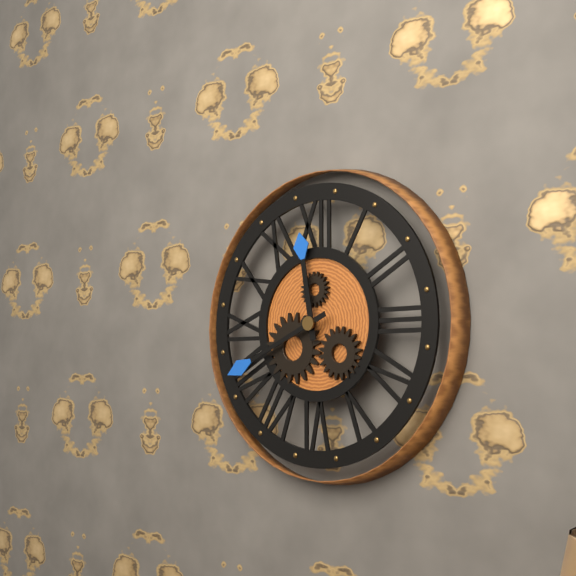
11:41
